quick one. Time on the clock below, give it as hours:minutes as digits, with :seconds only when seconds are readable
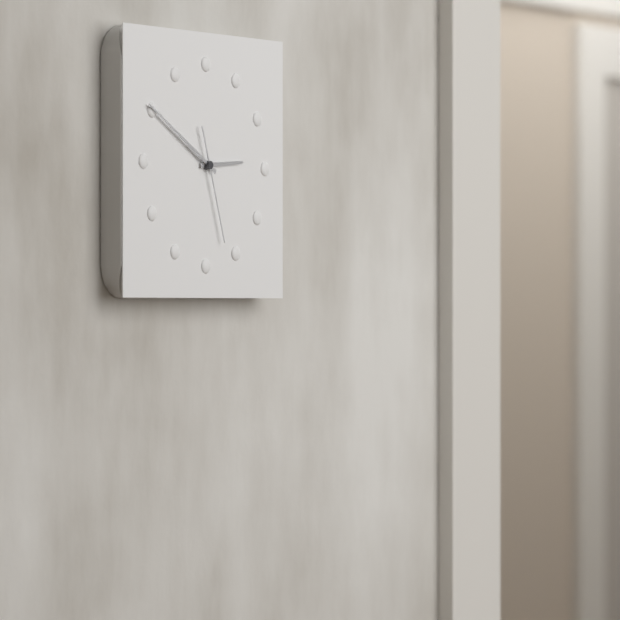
2:50:27
